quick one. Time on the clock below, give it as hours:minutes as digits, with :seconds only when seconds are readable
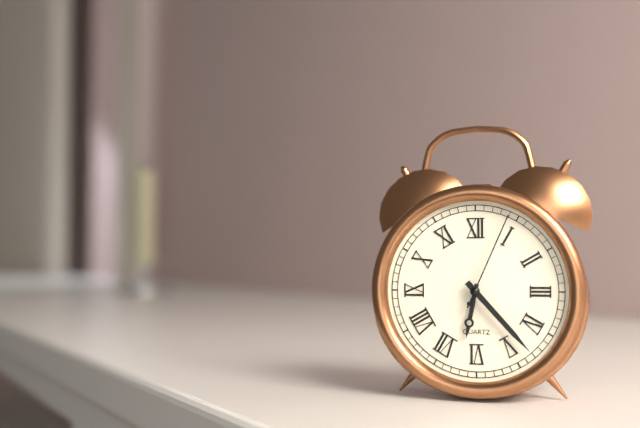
6:23:04
